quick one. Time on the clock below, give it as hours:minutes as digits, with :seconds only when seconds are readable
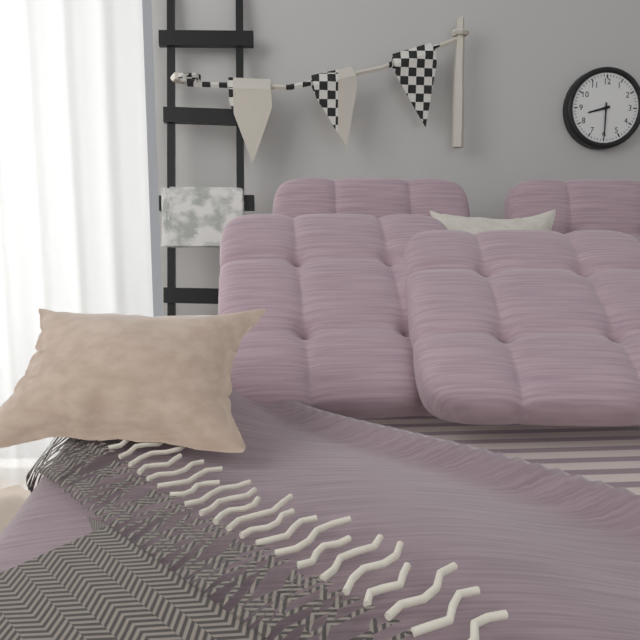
8:30
